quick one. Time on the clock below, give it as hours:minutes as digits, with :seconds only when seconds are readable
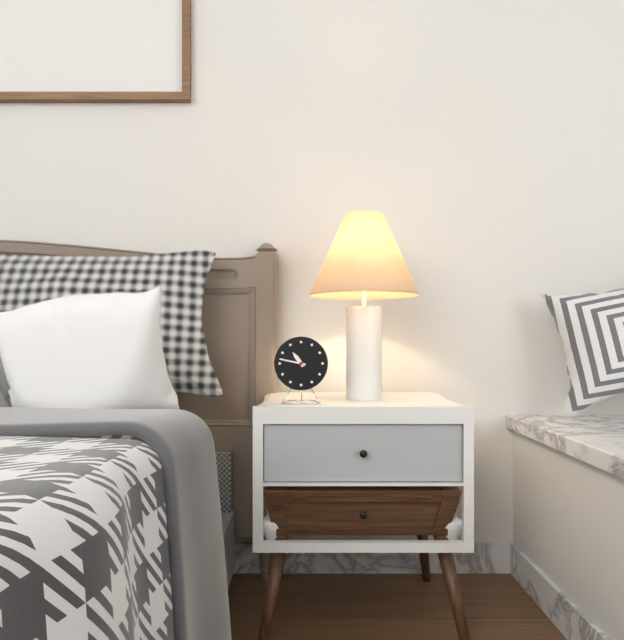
10:47
